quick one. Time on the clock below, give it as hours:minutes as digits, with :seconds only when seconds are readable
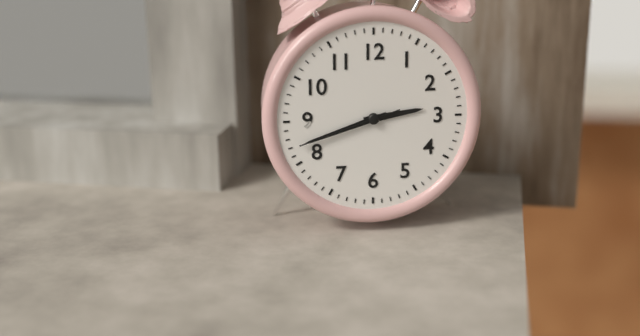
2:42:42
